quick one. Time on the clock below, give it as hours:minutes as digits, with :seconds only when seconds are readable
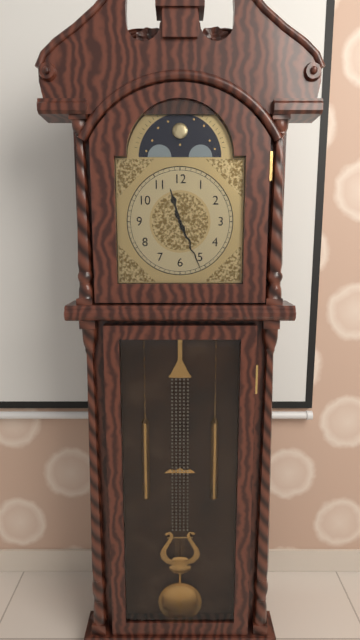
11:26
